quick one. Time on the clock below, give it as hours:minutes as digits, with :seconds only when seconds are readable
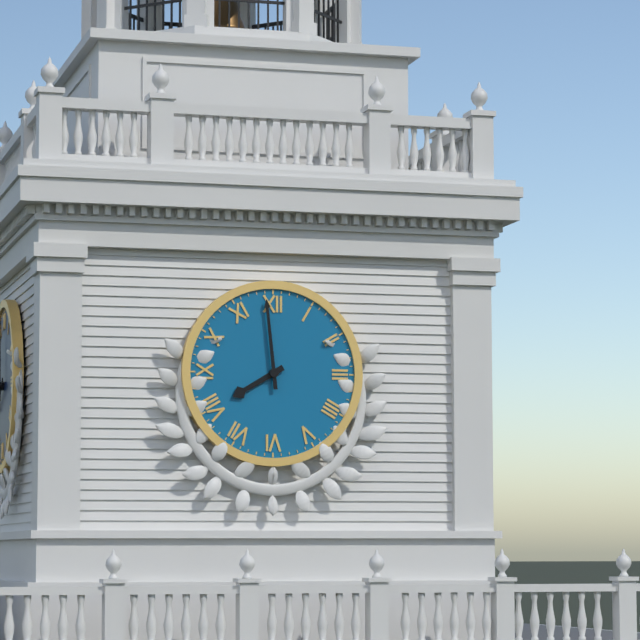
7:59
